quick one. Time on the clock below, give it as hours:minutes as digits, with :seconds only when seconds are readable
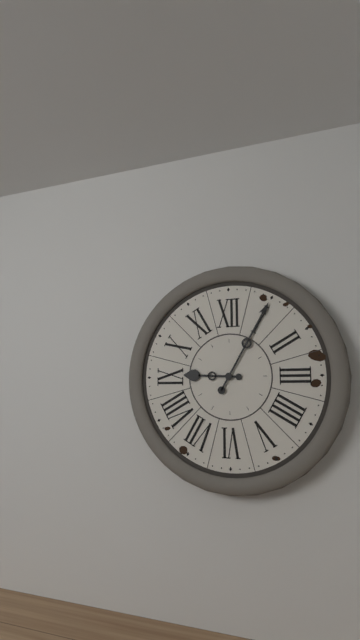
9:05
